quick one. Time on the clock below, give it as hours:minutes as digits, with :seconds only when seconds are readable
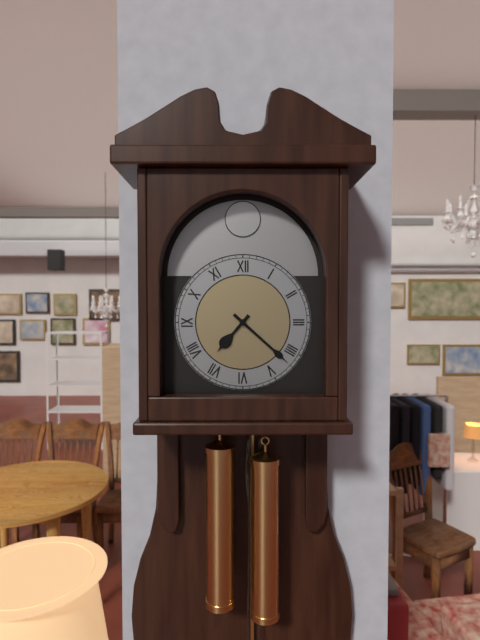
7:22
